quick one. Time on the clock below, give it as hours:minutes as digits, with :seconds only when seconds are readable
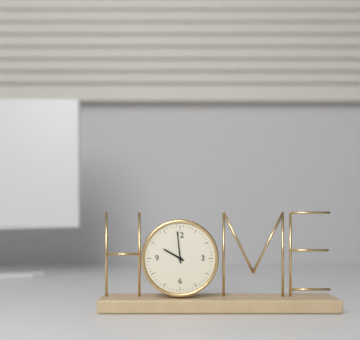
9:59
